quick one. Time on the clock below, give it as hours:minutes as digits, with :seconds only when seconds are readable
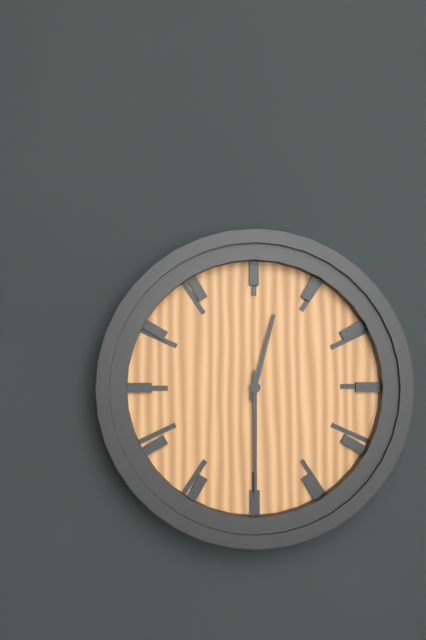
12:30
